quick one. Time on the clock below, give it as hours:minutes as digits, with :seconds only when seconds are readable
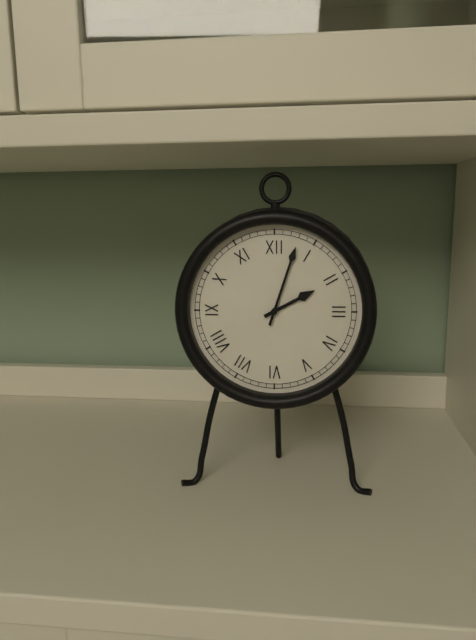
2:03
